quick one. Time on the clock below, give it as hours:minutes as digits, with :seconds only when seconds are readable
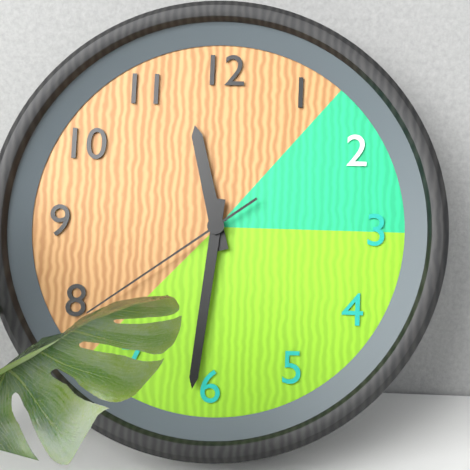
11:31:39
